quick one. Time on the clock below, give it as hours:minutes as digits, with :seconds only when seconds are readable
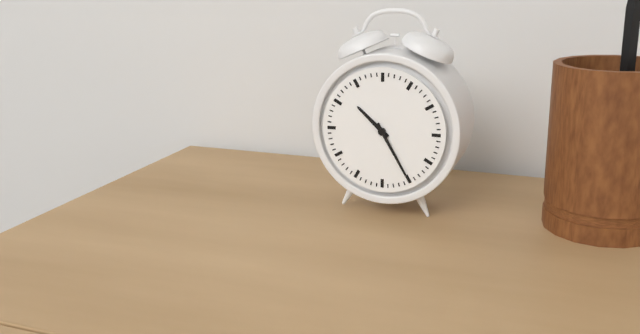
10:25
